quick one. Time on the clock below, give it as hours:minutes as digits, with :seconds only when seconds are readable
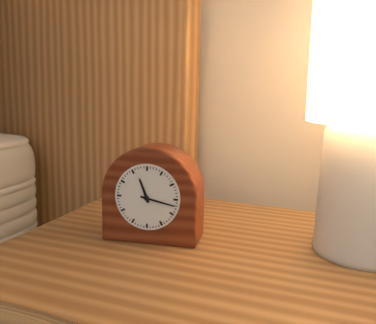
11:17
